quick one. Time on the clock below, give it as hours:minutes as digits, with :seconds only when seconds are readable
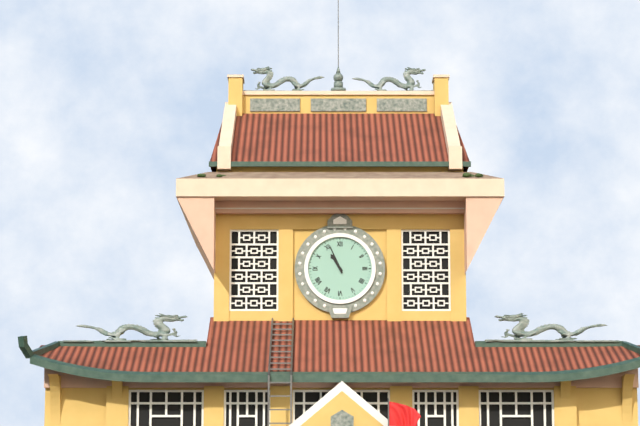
10:56
